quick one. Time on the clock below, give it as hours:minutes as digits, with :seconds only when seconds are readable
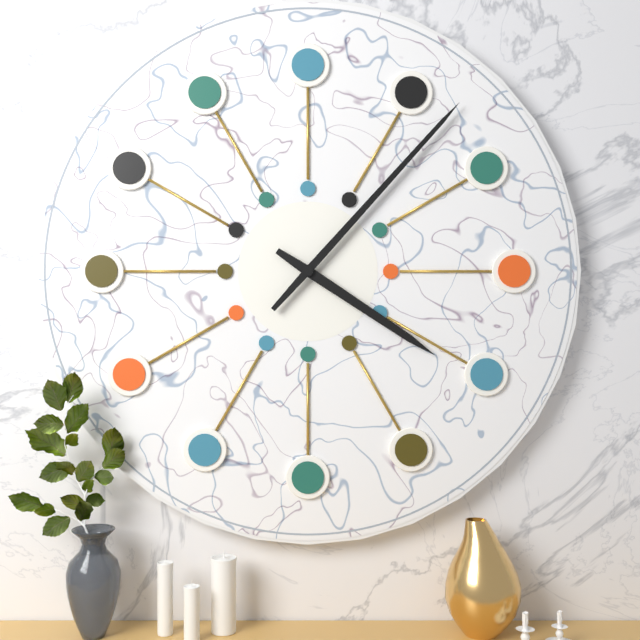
4:07
